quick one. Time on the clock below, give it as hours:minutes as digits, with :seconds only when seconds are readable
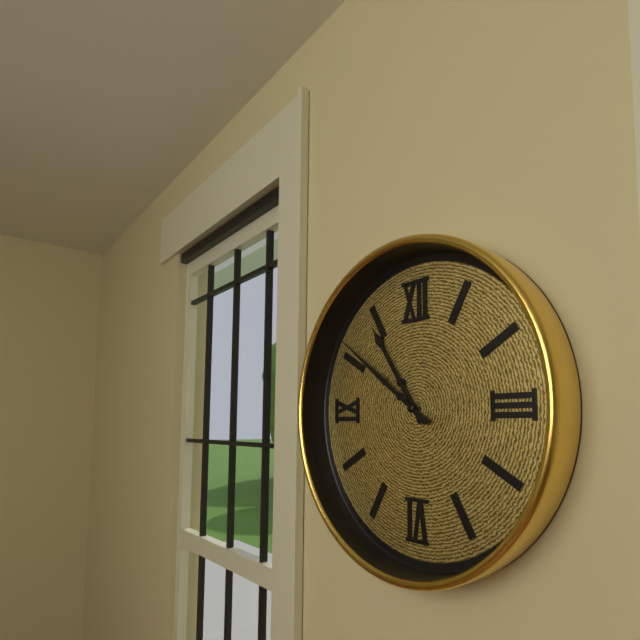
10:51
